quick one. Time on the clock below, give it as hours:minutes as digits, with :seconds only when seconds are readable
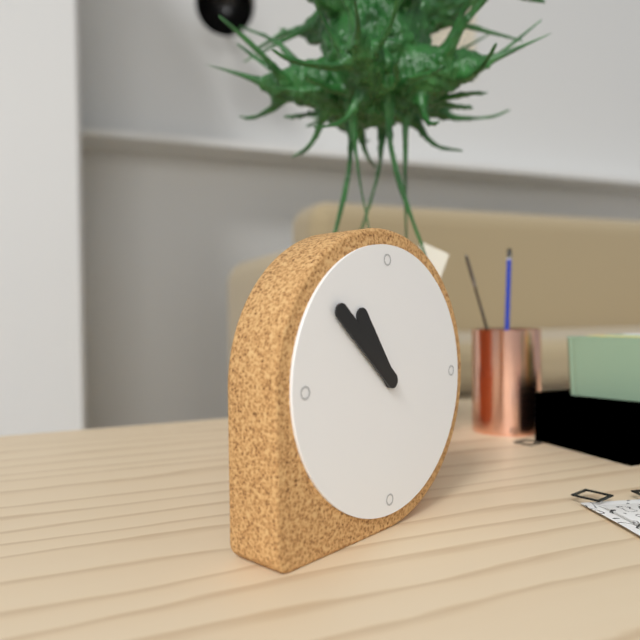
10:52
